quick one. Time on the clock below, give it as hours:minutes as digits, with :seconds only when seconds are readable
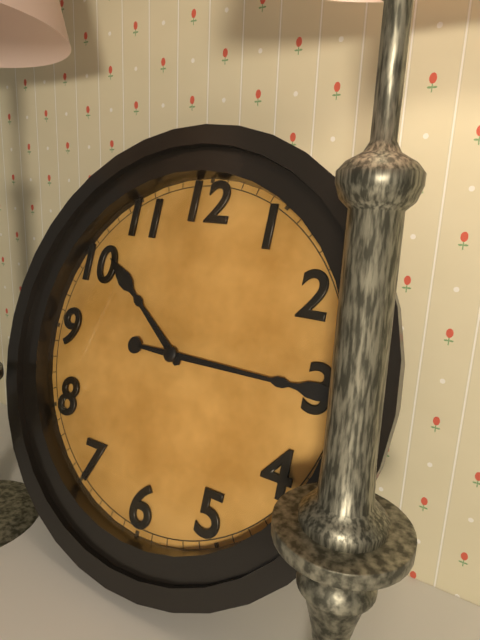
10:15
